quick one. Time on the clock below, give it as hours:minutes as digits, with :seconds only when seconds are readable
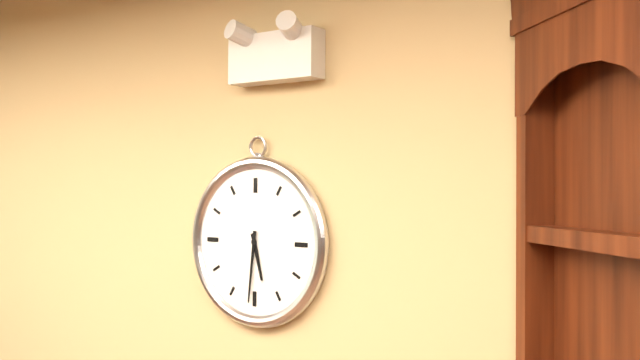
5:31
